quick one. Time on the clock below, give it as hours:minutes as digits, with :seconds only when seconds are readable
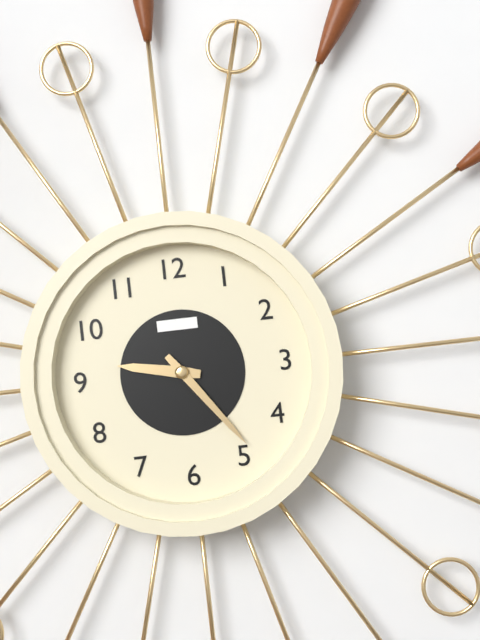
9:24
